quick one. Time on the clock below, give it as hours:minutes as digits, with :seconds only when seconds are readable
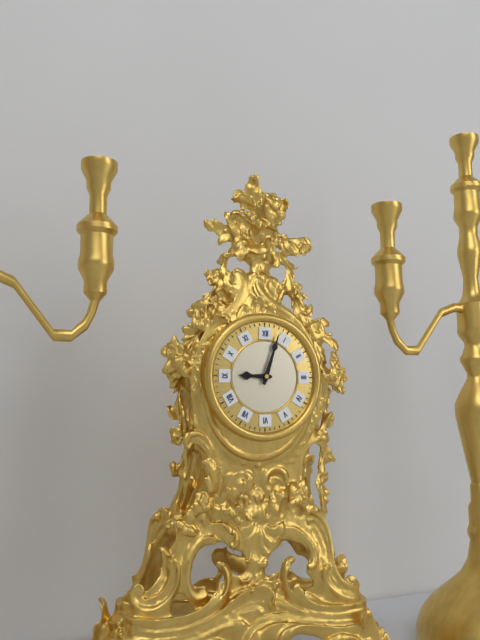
9:03
